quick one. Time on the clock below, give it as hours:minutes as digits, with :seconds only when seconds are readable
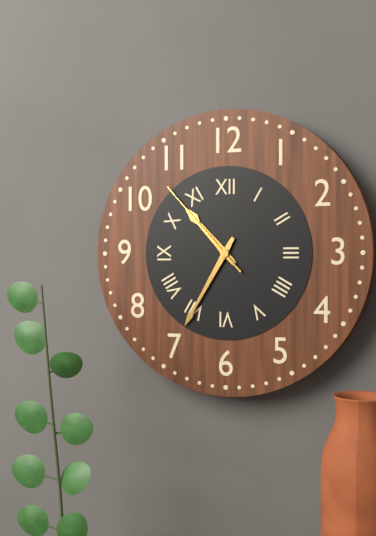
10:35:53
